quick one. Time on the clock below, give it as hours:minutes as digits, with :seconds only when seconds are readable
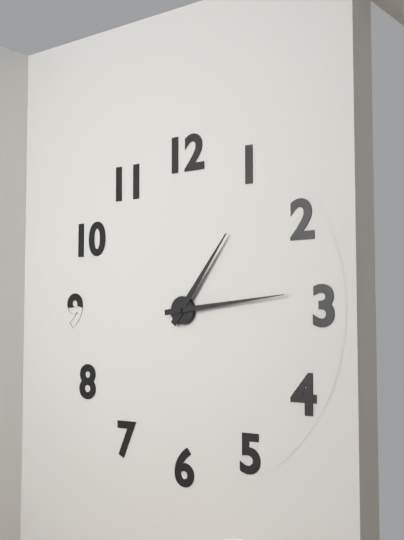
1:14
